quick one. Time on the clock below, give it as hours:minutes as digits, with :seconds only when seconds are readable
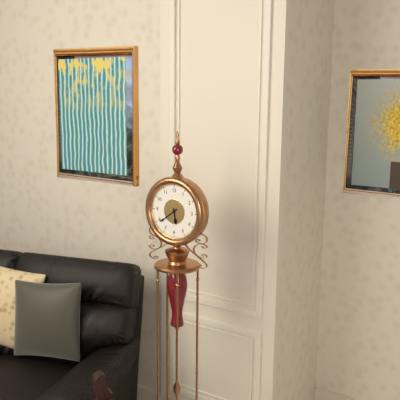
5:39
